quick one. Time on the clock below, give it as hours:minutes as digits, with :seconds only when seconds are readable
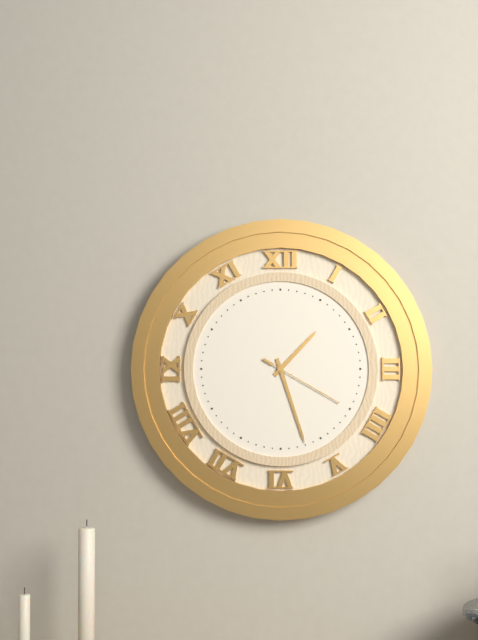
1:27:20
